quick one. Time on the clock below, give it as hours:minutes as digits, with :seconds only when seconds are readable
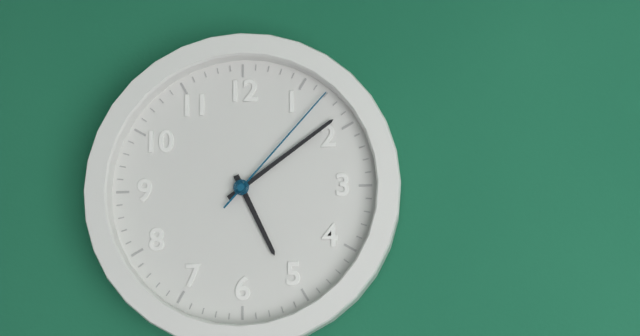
5:09:07
